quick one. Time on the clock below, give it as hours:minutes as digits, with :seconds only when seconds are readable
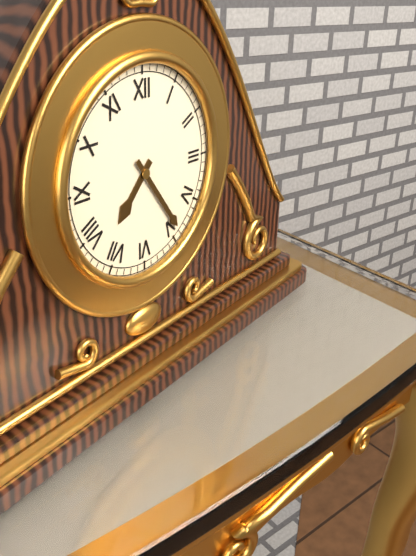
7:24
